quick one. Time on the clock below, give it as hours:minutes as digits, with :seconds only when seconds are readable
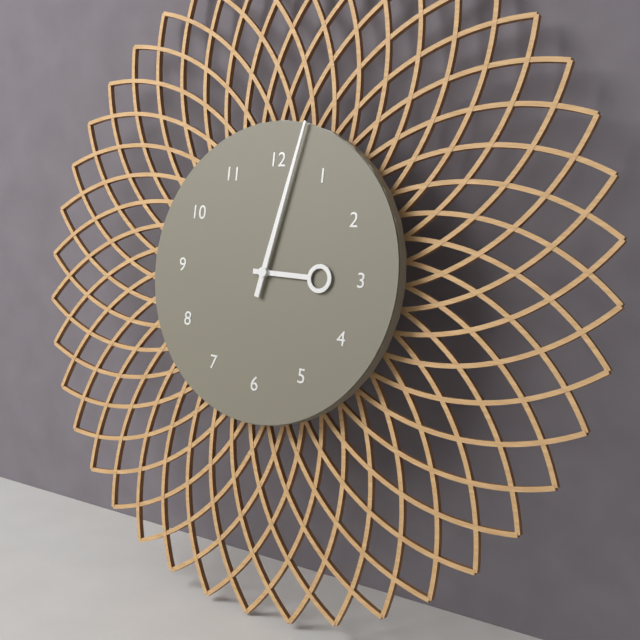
3:02
